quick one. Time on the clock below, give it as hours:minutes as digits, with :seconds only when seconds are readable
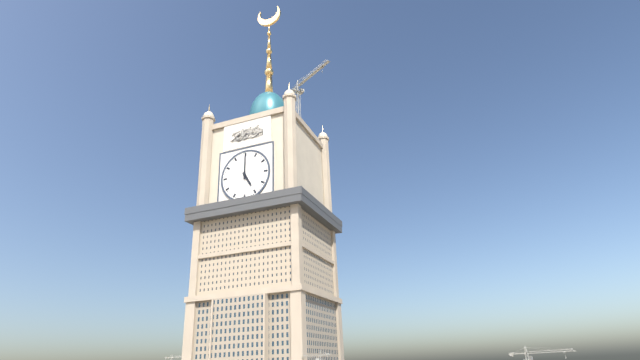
5:00
